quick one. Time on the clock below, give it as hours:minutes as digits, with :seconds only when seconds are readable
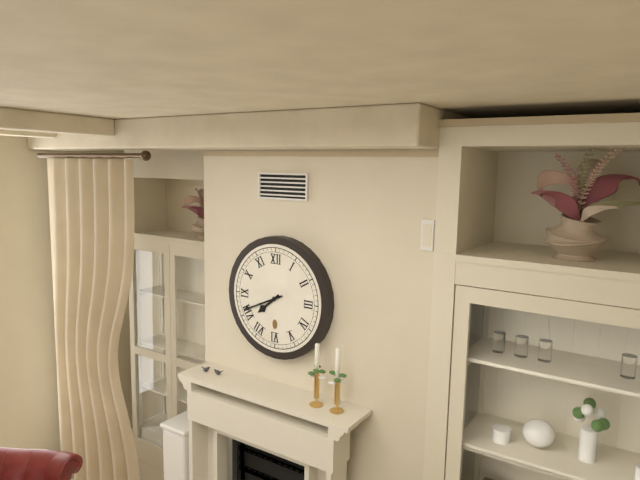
7:41
